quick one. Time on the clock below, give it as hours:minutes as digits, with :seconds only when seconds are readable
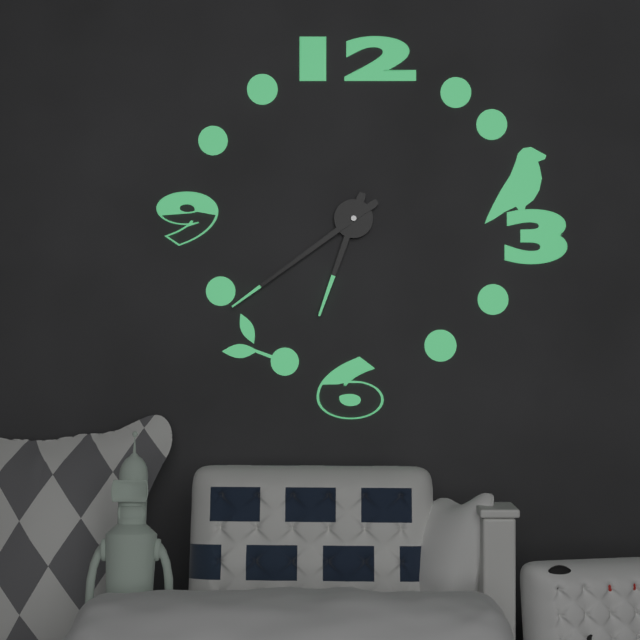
6:39
